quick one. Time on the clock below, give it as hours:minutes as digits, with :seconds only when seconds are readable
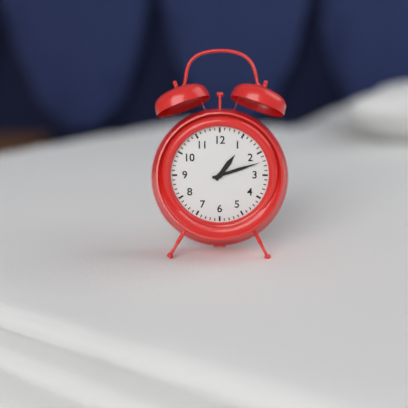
1:12
